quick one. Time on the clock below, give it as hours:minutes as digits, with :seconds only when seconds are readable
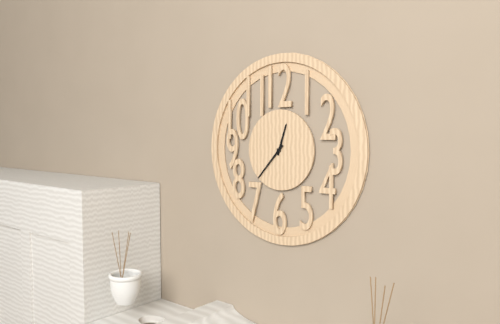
12:37
